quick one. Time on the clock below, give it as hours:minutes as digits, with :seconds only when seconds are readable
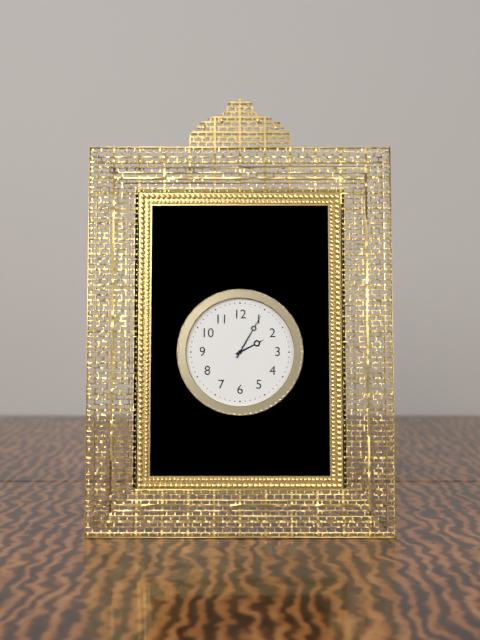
2:05
